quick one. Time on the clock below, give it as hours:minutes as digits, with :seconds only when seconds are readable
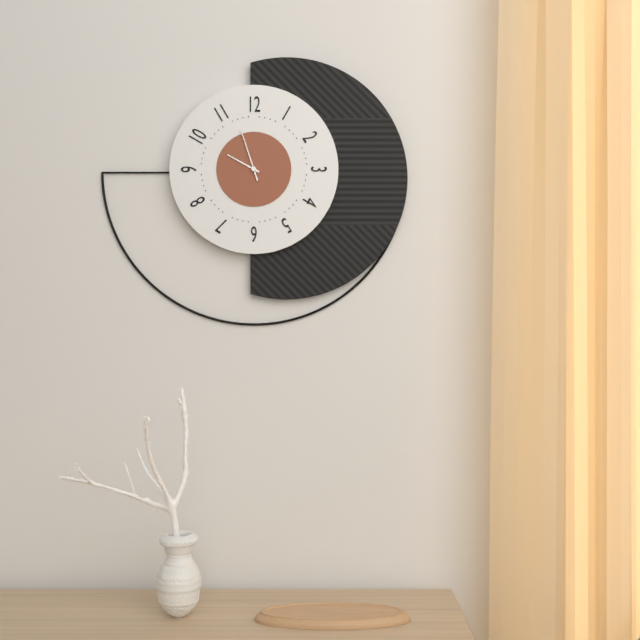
9:57
